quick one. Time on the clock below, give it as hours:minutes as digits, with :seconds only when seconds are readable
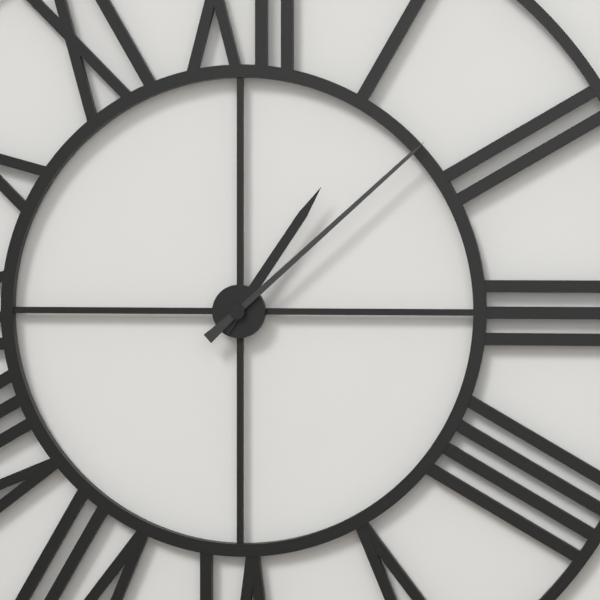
1:08
